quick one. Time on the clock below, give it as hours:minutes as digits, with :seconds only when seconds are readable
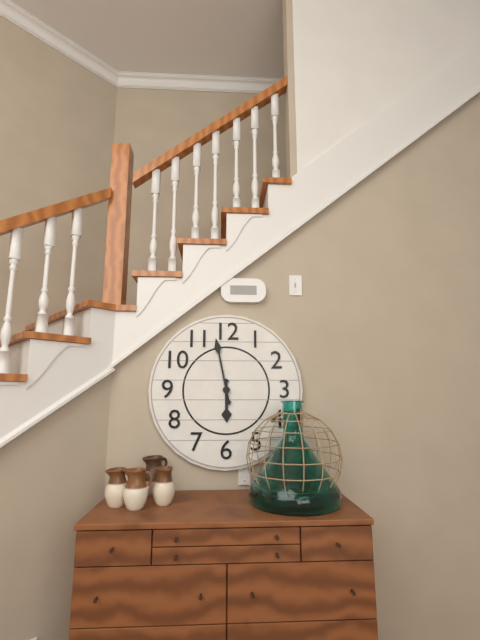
5:58
